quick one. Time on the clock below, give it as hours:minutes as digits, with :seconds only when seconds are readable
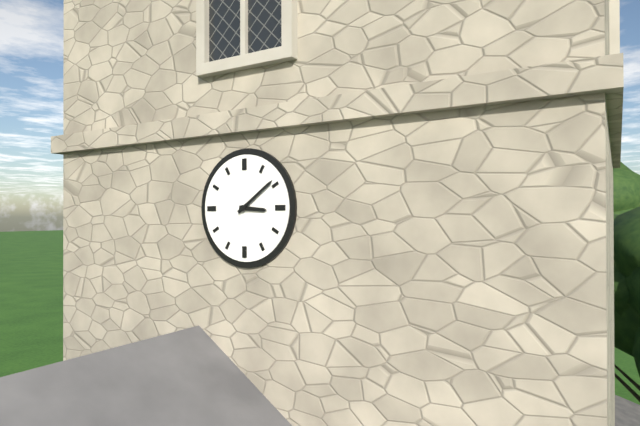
3:09
